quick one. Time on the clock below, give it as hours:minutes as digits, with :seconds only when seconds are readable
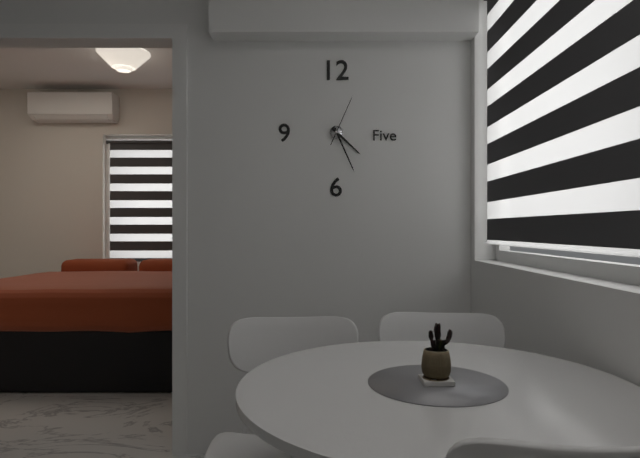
4:26:04
